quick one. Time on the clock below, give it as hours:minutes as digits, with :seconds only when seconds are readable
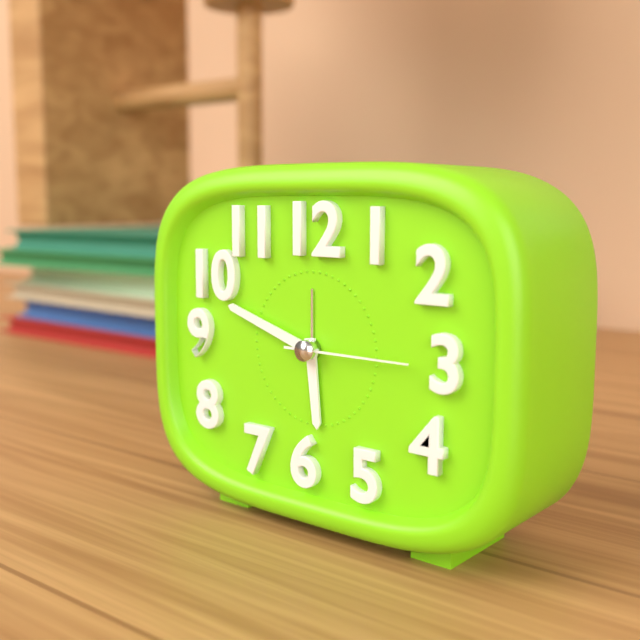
5:48:15
